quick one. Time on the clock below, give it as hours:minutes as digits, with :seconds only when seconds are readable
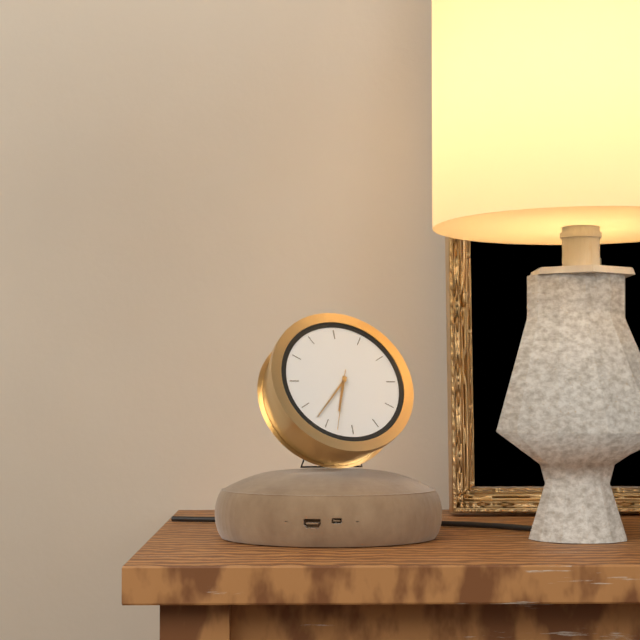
6:37:33
